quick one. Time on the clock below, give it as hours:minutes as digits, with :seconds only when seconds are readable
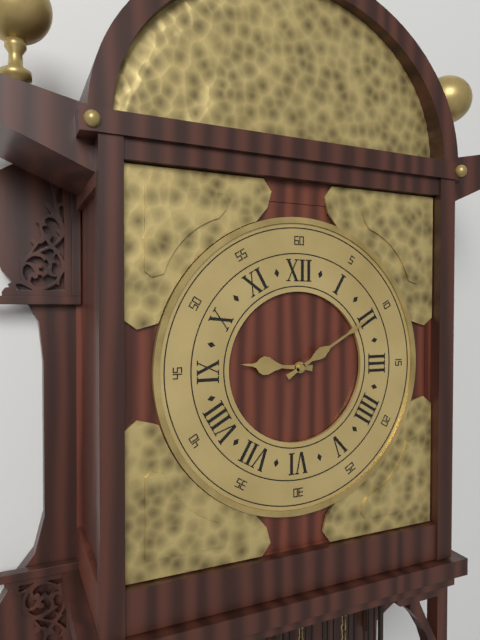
9:10
